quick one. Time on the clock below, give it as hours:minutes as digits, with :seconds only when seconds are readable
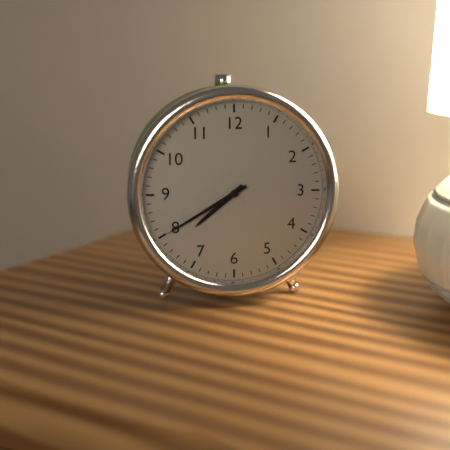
7:40
